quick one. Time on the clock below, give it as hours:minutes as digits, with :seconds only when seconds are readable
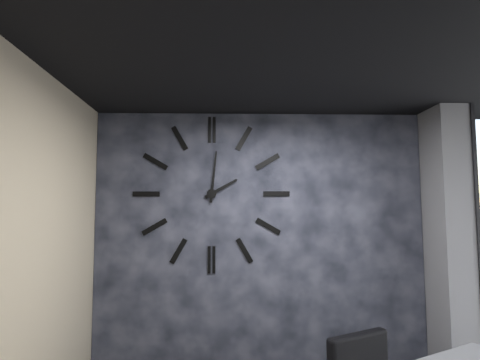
2:01
